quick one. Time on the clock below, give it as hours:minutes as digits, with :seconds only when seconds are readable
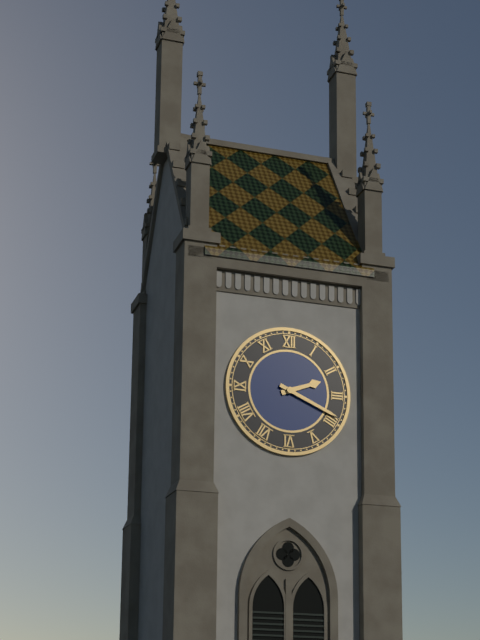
2:19
